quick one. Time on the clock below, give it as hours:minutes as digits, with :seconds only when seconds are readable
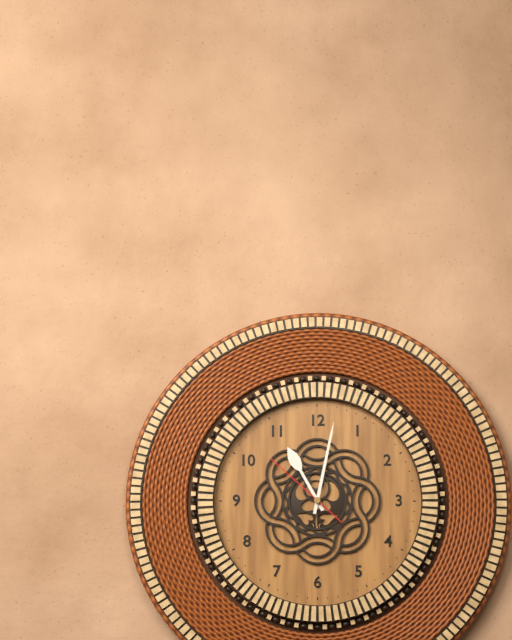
11:02:52
